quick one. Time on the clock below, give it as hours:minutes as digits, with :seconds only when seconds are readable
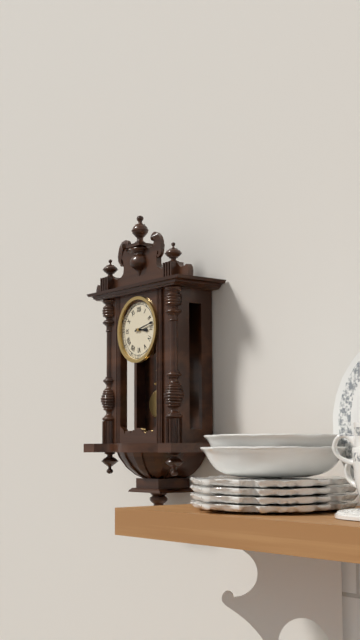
3:13
